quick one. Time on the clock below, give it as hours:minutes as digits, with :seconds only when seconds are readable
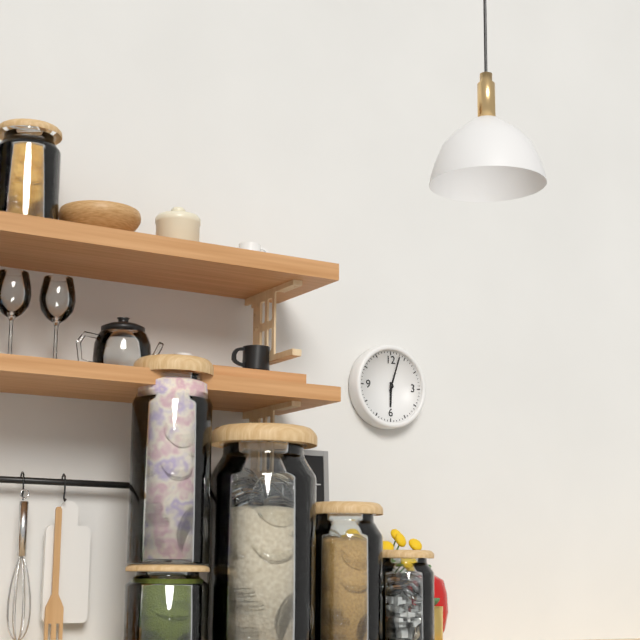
6:03
